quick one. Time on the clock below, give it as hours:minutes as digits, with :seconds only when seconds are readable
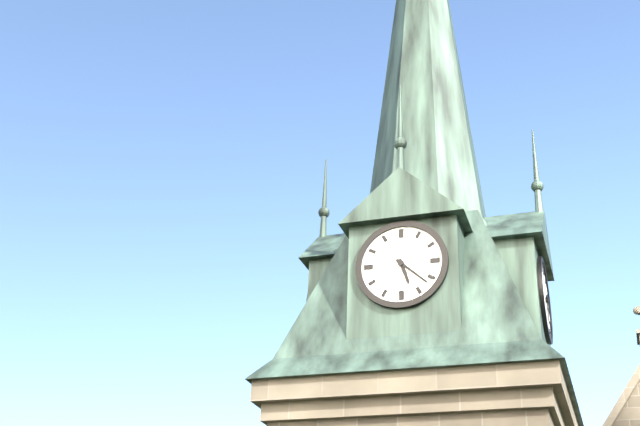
5:22
